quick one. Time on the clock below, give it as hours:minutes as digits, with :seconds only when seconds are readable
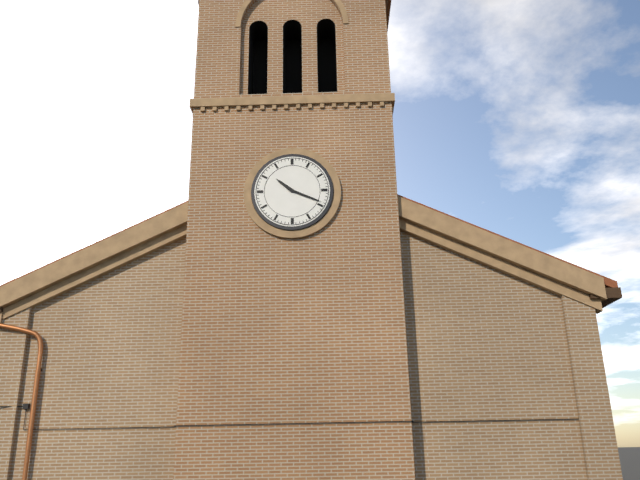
10:19
